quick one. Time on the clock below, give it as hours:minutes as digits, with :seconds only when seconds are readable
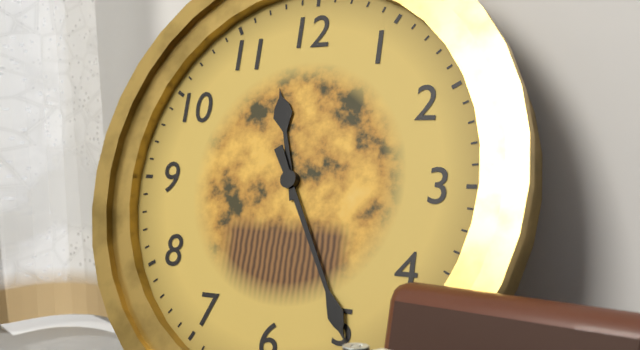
11:25
